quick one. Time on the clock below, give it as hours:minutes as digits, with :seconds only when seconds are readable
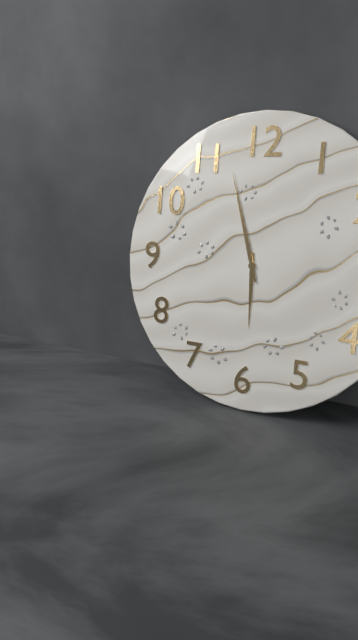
5:57
